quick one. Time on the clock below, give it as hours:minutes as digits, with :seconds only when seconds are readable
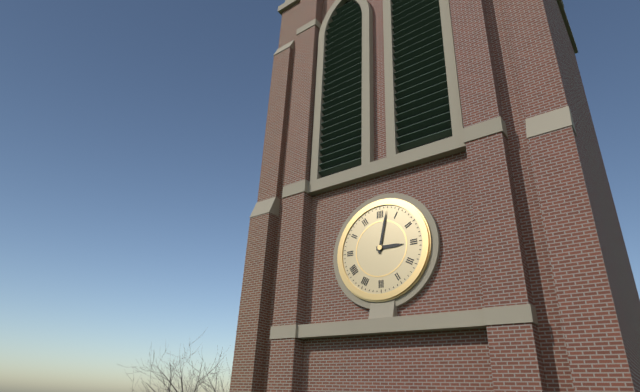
3:02
